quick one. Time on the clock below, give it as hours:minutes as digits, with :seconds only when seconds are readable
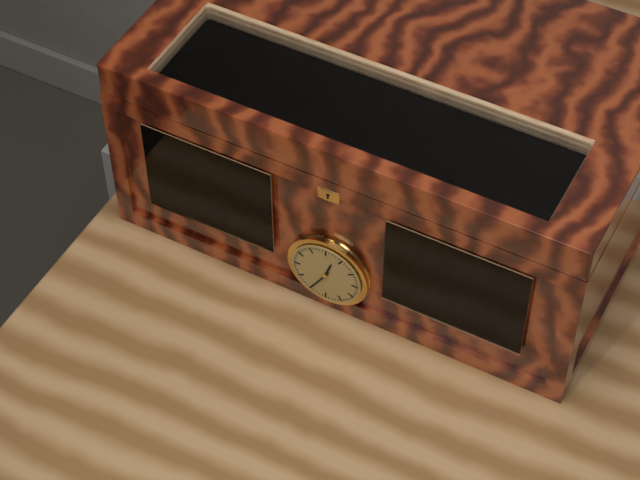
12:35
